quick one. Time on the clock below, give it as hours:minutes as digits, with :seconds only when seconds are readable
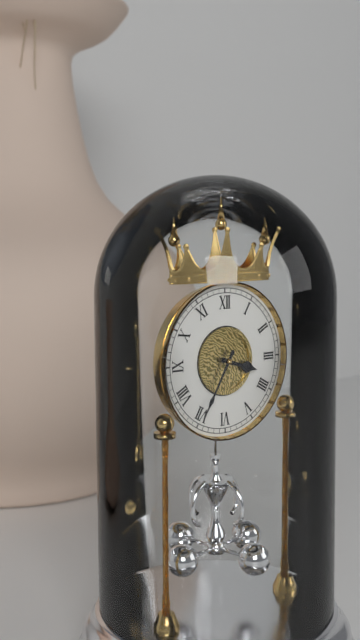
3:35
